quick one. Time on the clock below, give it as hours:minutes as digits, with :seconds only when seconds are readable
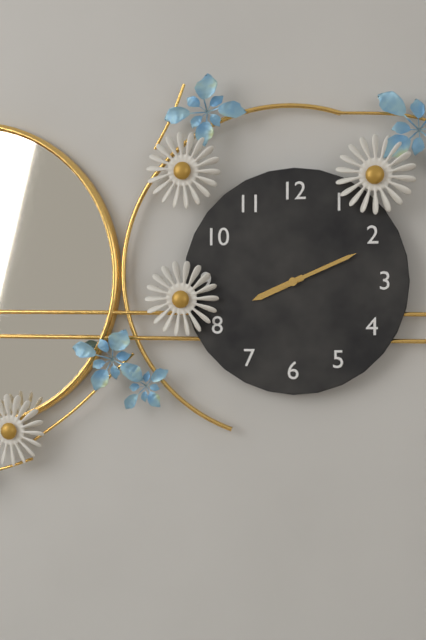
8:11
